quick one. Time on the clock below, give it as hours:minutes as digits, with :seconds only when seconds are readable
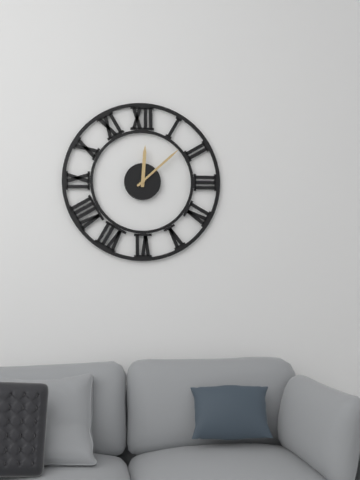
12:08
